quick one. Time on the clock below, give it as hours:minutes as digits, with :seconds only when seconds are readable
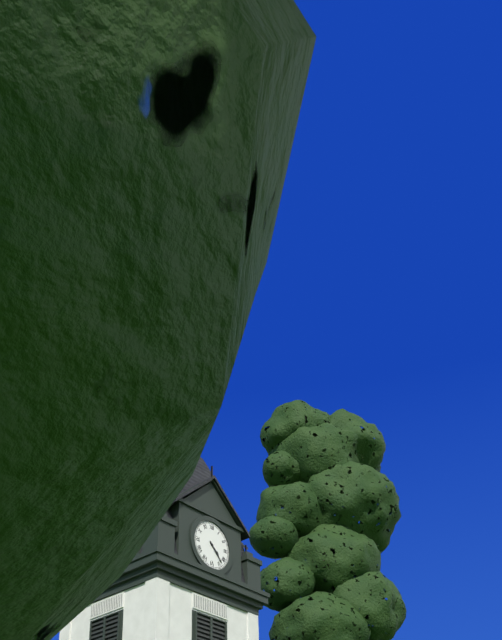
4:23
